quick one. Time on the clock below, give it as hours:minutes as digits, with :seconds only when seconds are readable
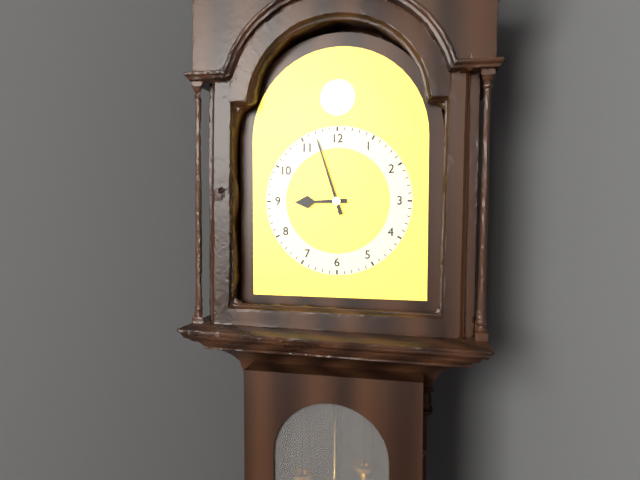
8:57
